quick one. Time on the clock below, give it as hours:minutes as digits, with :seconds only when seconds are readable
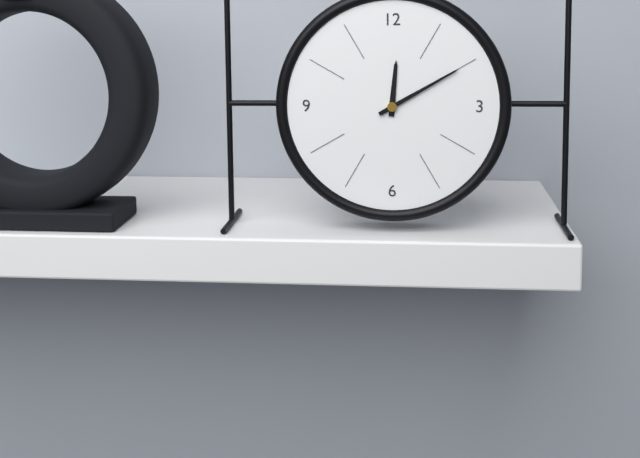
12:10
